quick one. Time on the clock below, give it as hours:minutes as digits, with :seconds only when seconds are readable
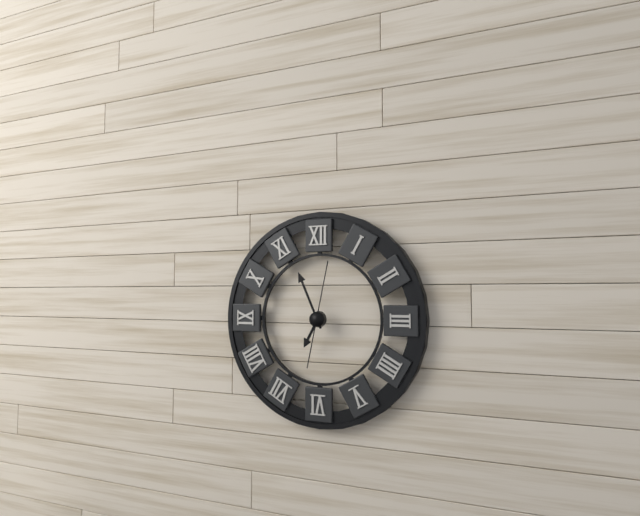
6:56:02
